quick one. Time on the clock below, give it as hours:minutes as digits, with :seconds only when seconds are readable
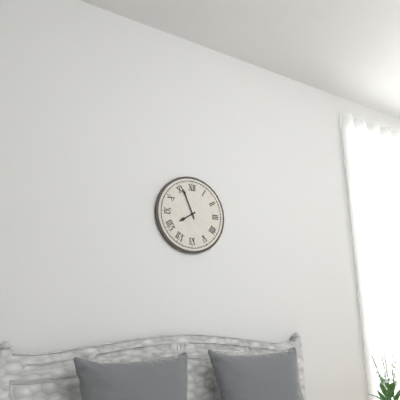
7:56
